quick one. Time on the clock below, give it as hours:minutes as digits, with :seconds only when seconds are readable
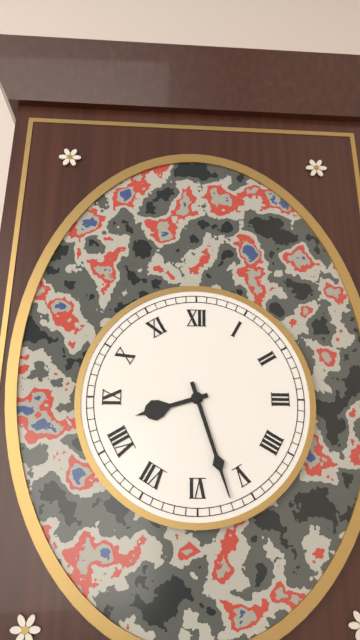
8:27
